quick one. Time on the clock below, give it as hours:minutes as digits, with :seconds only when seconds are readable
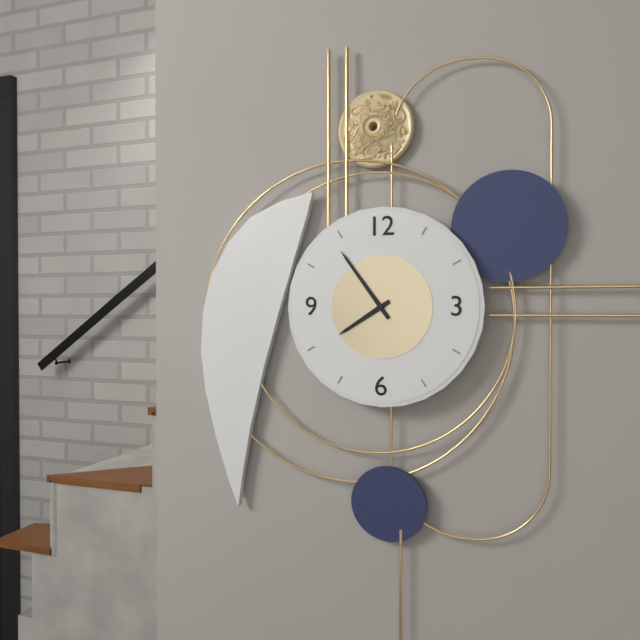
7:54
